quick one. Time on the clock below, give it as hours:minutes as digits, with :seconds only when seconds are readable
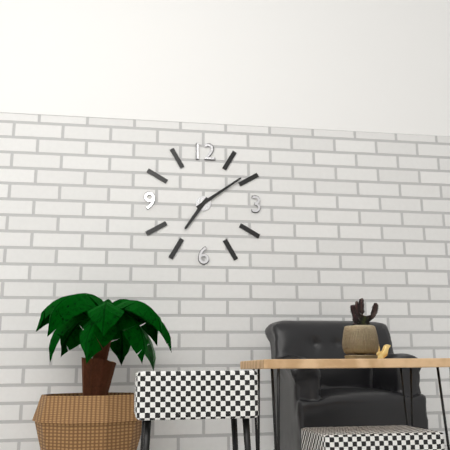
7:09
